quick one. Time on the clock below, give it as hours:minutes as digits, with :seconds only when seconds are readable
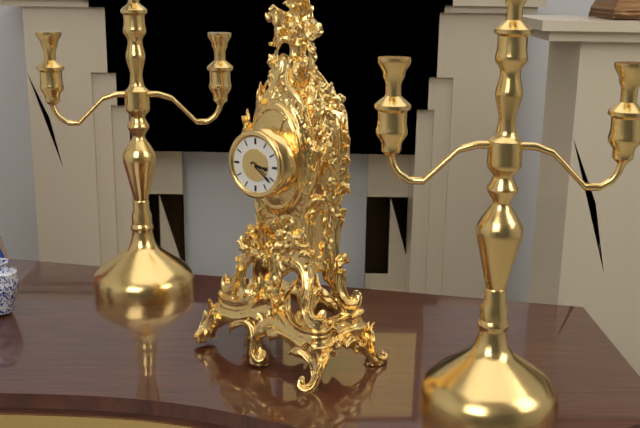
3:21
